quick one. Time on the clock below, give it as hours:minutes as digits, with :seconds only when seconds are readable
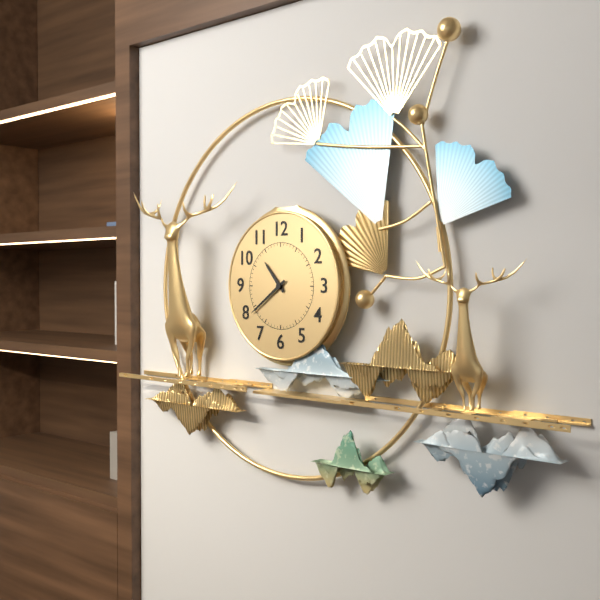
10:39
